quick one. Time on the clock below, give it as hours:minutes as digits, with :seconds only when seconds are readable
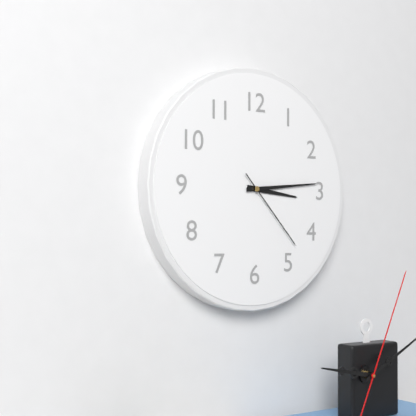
3:14:23
